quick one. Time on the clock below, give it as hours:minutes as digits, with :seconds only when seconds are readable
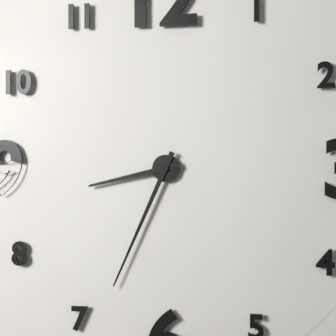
8:34
